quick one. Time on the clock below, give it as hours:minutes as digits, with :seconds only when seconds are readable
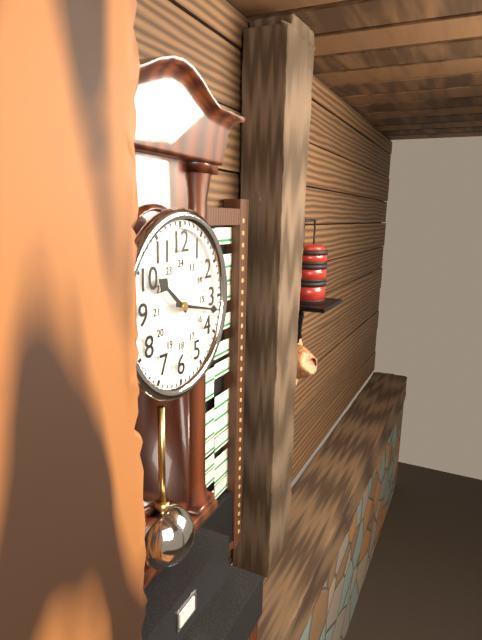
10:17
